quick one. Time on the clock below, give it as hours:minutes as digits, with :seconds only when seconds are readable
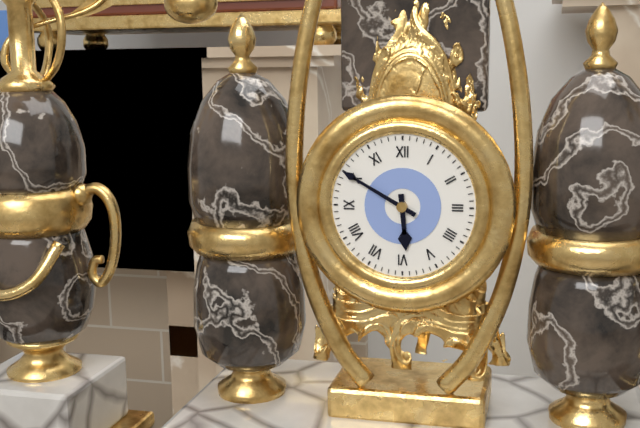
5:50
